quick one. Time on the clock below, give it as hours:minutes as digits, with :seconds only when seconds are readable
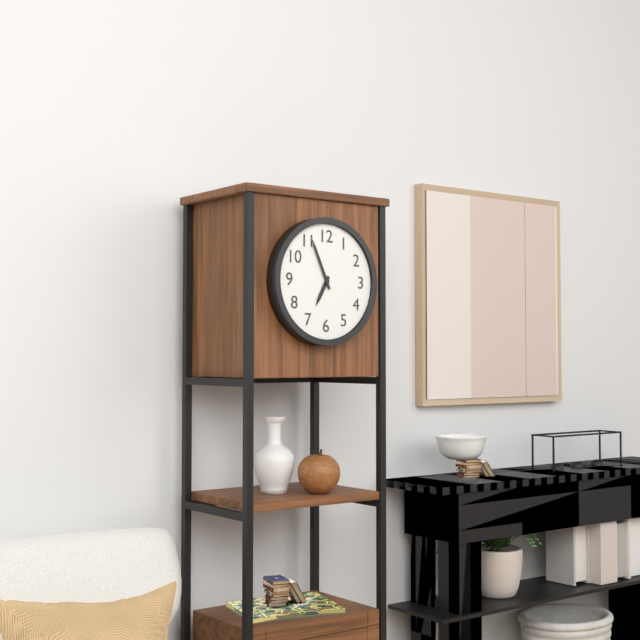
6:56
